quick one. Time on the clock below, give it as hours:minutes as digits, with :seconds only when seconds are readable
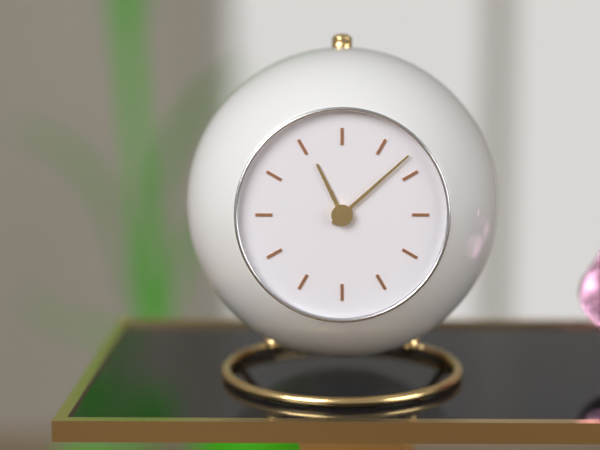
11:08
